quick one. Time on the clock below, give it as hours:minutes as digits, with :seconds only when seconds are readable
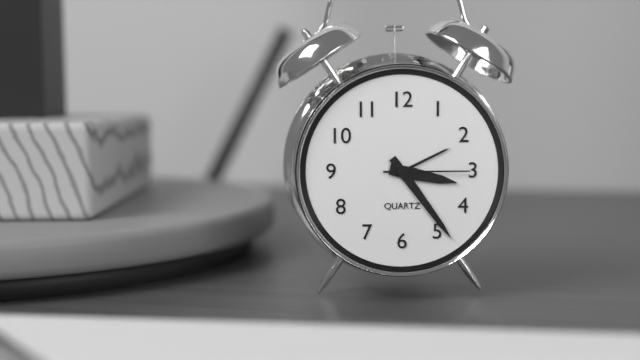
3:24:15
